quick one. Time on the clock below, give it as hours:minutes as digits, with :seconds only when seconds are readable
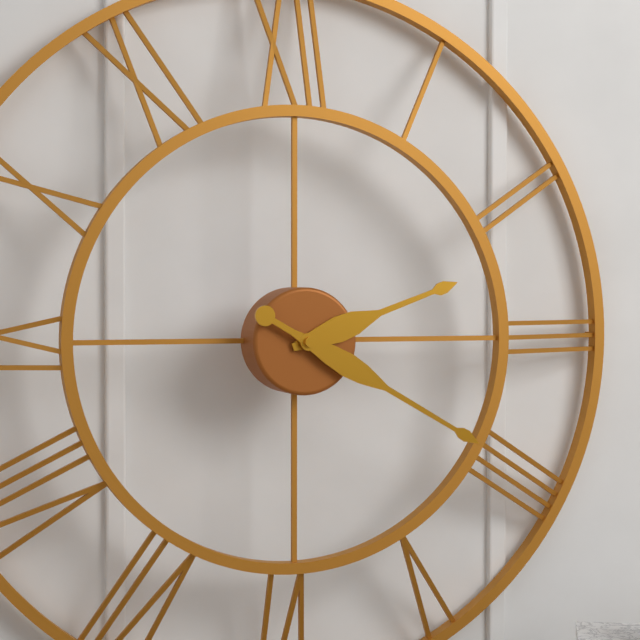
2:20
